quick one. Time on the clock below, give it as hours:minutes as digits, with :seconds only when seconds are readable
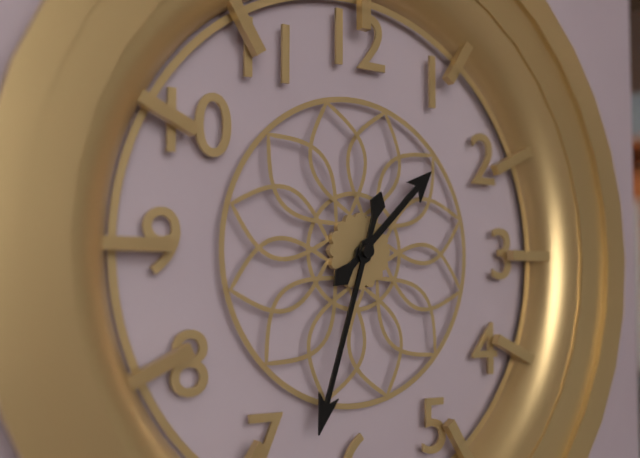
1:33
